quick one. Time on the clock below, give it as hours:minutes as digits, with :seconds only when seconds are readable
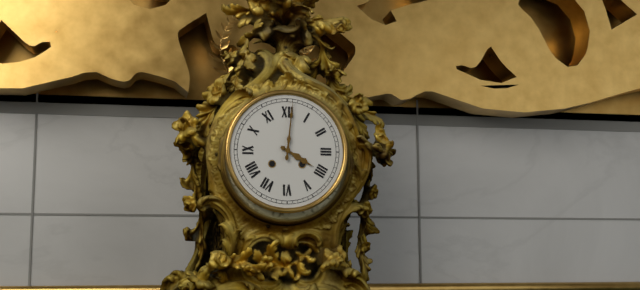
4:01
